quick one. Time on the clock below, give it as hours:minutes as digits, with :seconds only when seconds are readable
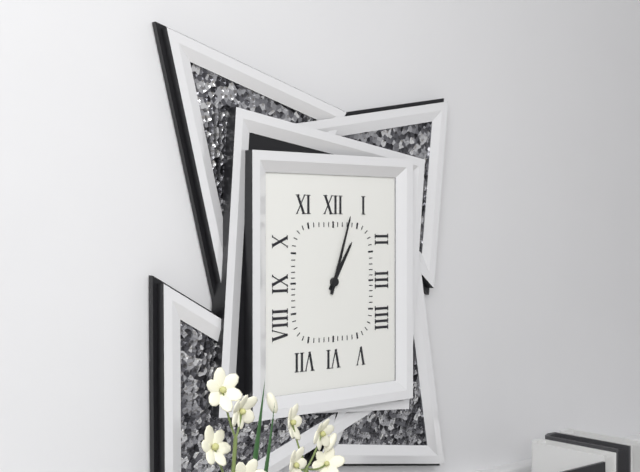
1:03
